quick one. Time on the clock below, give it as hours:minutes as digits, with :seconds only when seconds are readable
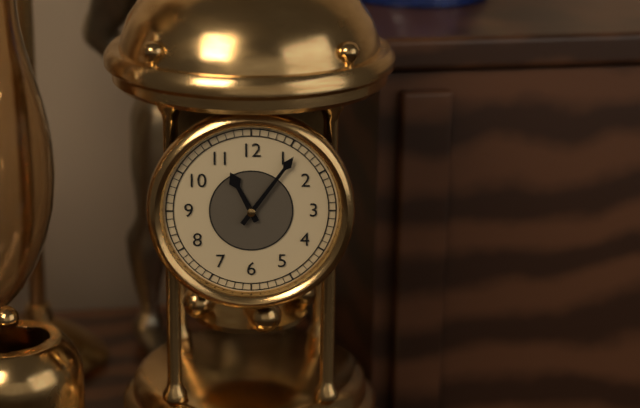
11:06
